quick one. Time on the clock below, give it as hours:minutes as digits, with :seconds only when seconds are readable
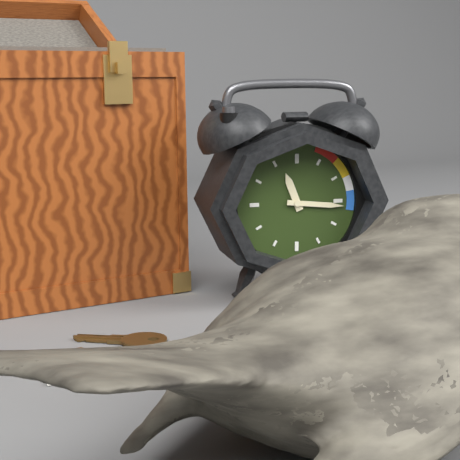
11:16
